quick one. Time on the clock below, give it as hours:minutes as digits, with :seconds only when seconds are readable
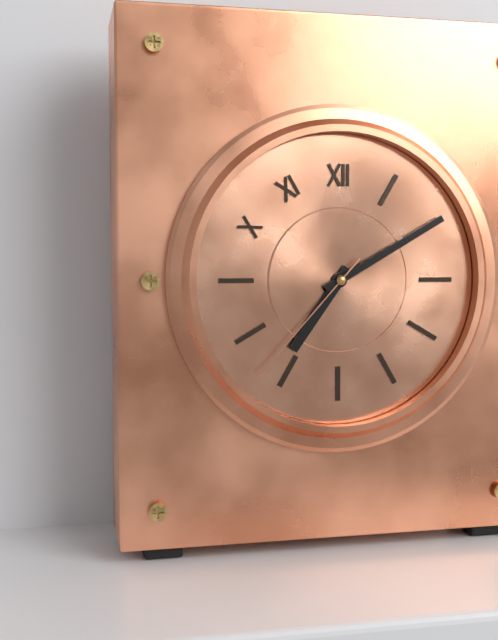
7:10:37
